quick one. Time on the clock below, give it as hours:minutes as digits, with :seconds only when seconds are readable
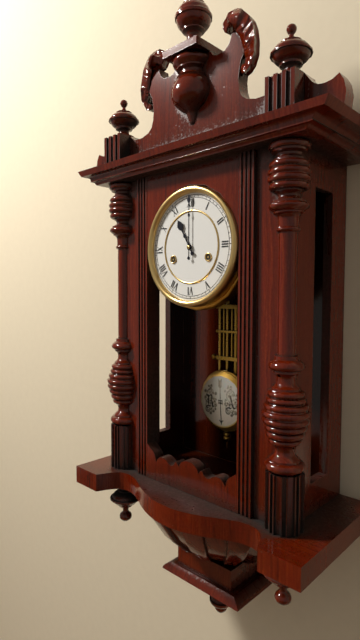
11:00
